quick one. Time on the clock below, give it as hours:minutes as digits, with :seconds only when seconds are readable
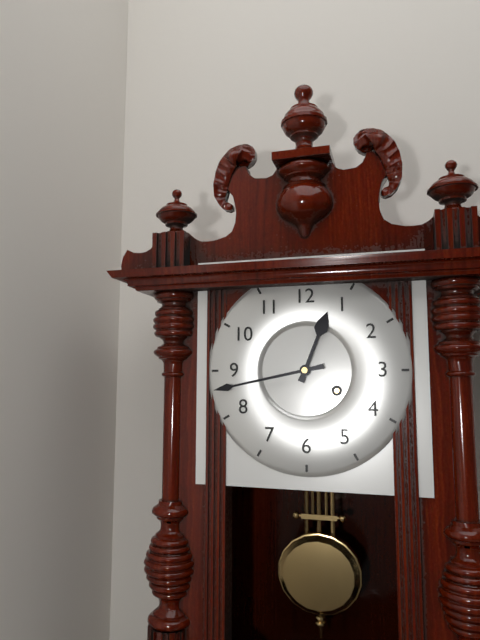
12:43
